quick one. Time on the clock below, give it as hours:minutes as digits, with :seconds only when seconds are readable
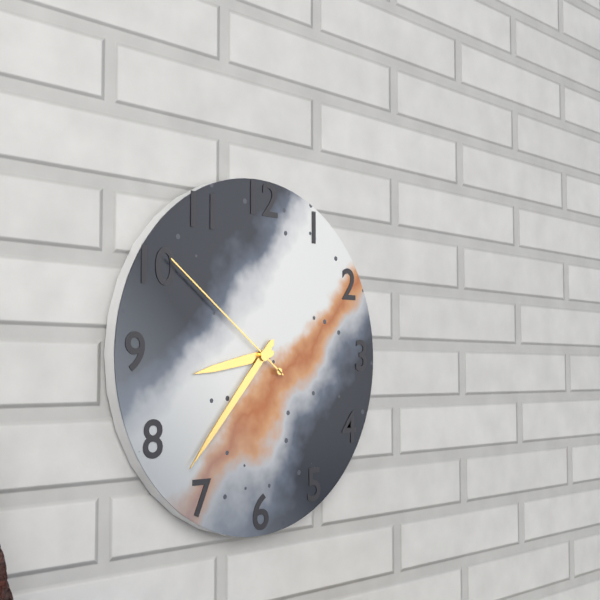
8:37:51
